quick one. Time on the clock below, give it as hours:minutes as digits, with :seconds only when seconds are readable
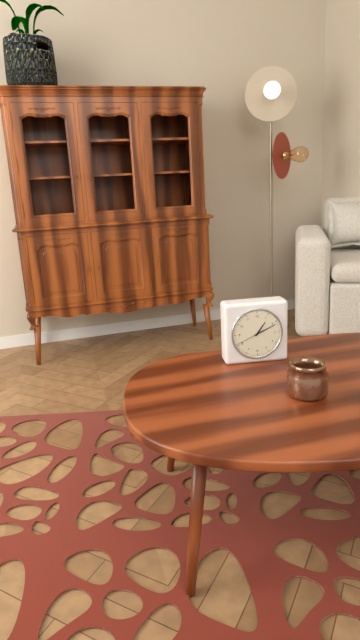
1:11
